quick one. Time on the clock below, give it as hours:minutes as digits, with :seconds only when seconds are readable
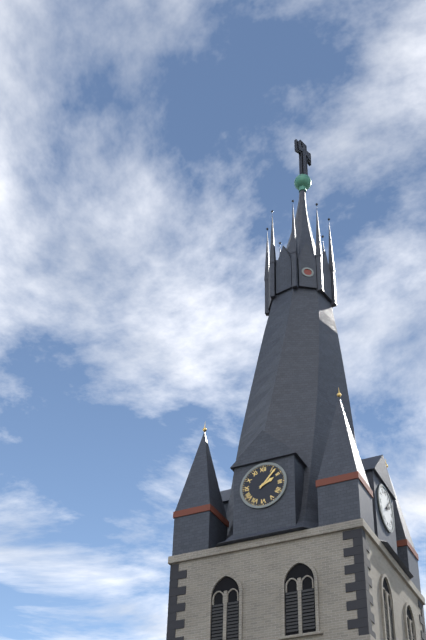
2:07
